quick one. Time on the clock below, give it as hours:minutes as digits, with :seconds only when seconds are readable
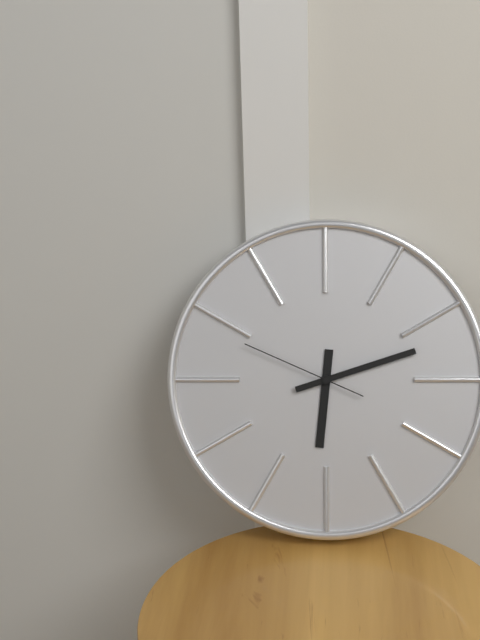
6:12:49
